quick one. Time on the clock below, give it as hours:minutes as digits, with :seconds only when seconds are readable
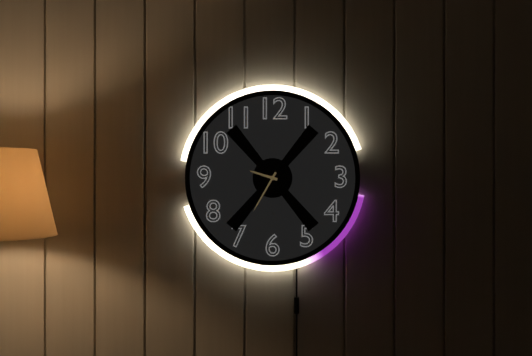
9:35
